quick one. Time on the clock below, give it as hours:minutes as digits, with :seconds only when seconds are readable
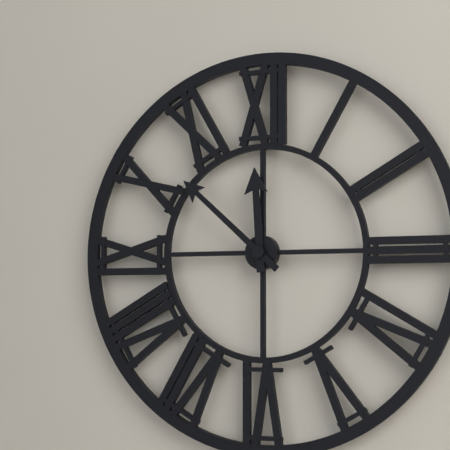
11:52
